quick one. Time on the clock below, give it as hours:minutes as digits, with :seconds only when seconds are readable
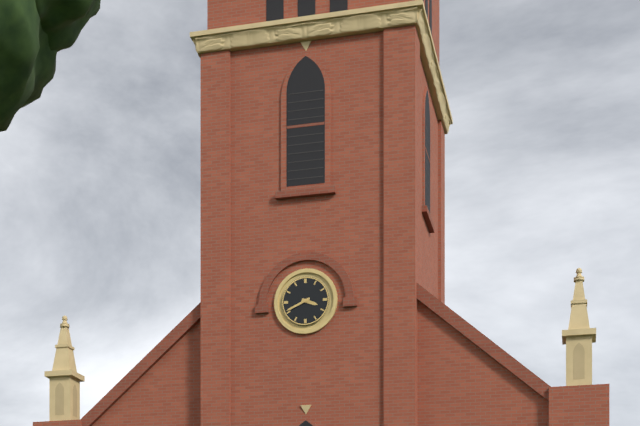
3:41
